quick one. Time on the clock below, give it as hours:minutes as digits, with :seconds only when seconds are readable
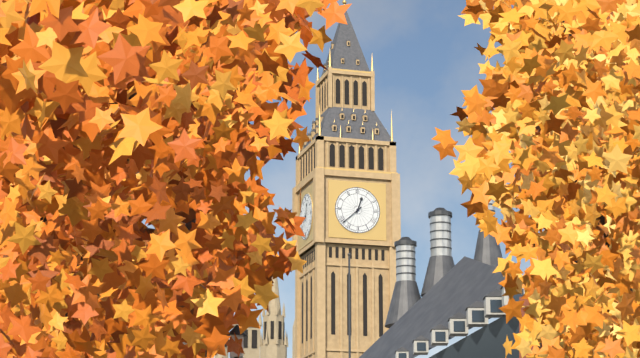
12:38
